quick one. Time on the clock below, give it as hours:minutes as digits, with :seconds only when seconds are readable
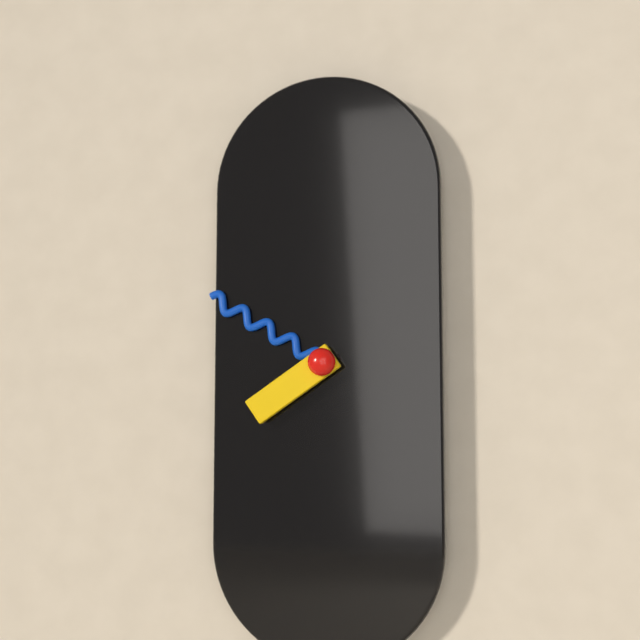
7:50
